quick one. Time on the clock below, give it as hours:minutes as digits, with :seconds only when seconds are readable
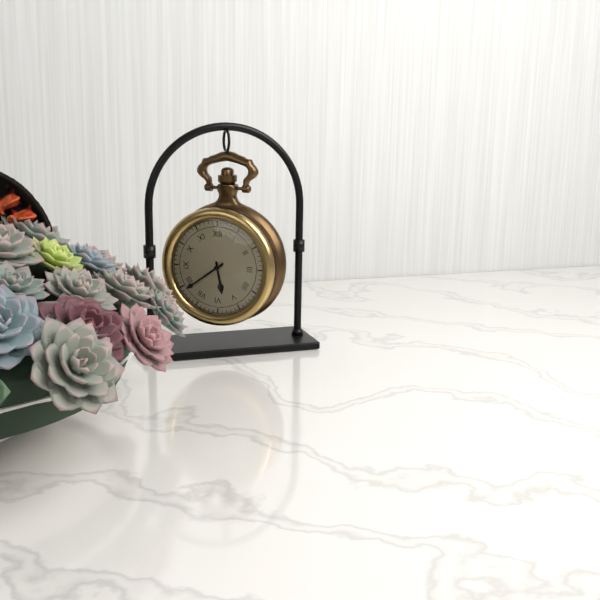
5:39
